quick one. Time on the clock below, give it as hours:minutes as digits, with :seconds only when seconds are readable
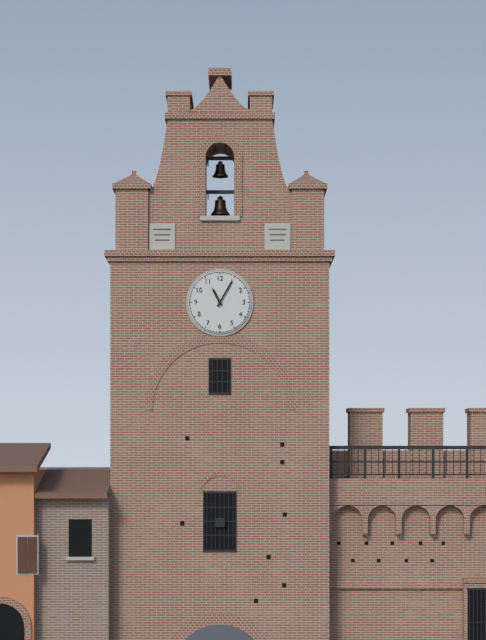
11:05
